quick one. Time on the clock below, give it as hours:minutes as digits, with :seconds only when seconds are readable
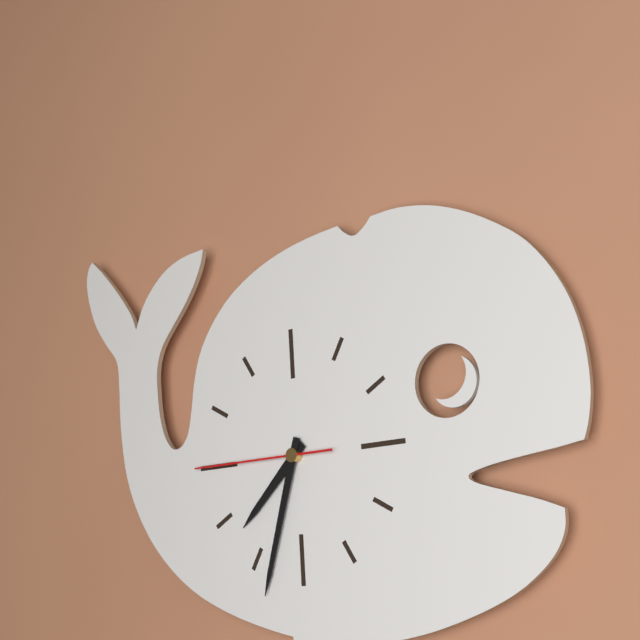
7:33:45
